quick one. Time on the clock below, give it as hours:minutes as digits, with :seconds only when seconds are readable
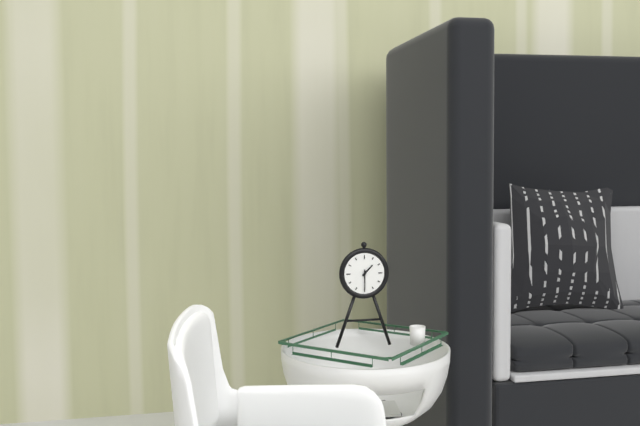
1:30
